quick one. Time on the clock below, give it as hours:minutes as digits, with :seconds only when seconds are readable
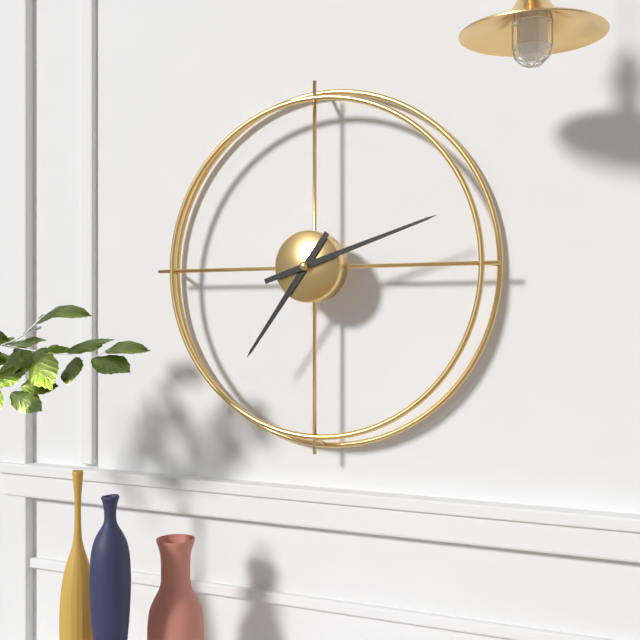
7:12
